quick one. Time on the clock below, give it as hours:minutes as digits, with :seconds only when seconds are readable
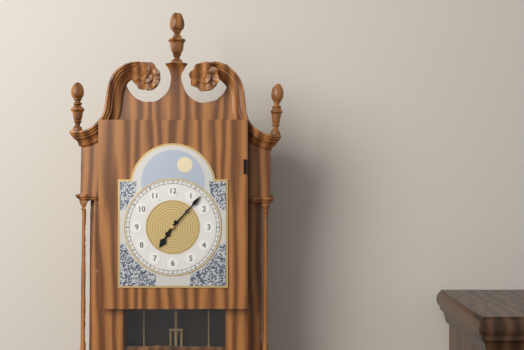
7:07
